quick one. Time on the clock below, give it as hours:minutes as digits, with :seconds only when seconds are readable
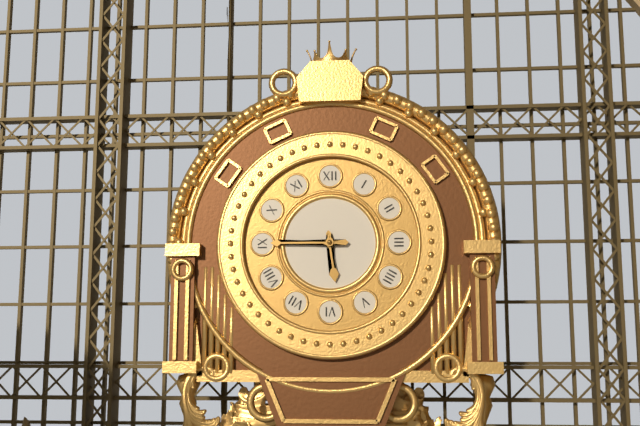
5:45
